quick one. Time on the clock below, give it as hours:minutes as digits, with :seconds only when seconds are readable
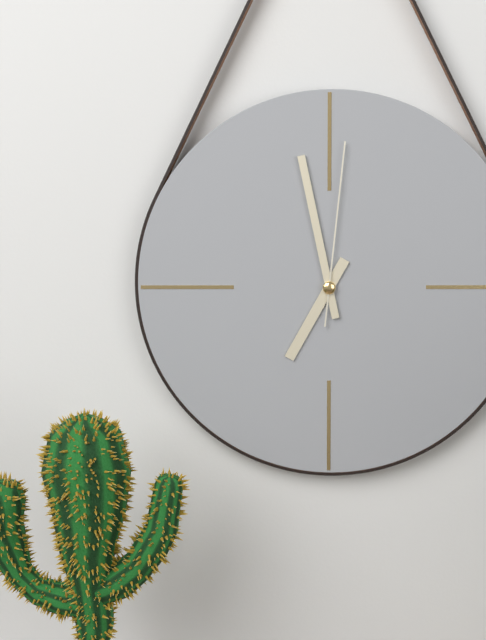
6:58:01
